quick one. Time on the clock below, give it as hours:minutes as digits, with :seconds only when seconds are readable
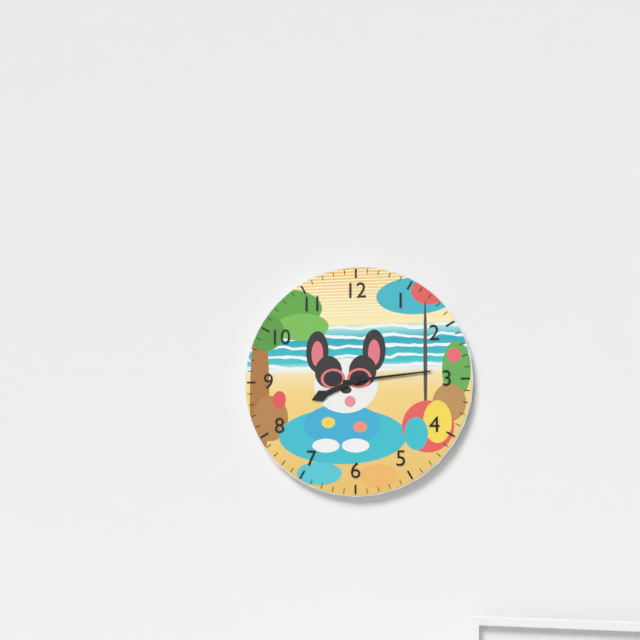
8:14
